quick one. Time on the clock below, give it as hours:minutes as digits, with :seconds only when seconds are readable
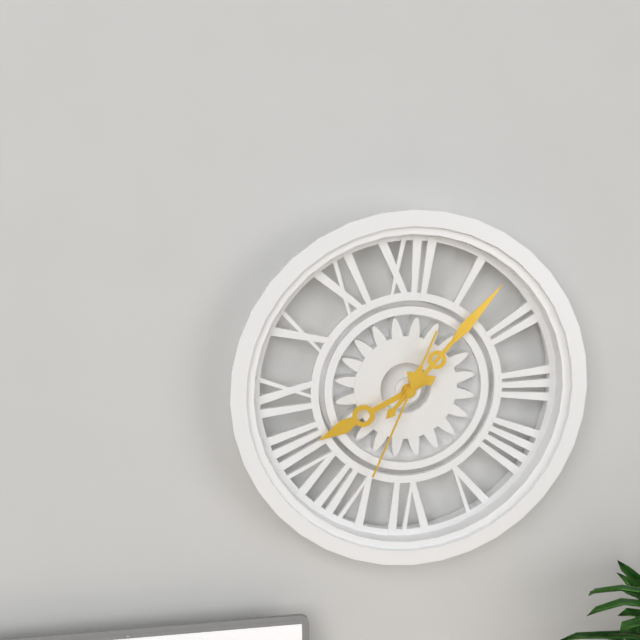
8:07:34
